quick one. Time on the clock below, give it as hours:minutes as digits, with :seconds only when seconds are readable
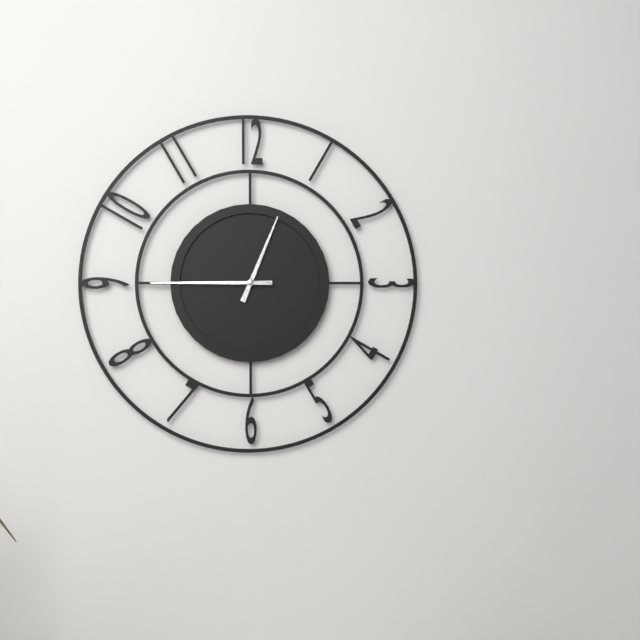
12:45
